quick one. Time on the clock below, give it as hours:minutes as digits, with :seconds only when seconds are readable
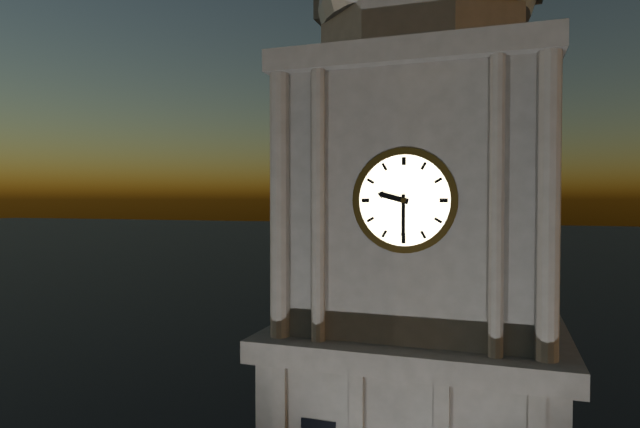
9:30
